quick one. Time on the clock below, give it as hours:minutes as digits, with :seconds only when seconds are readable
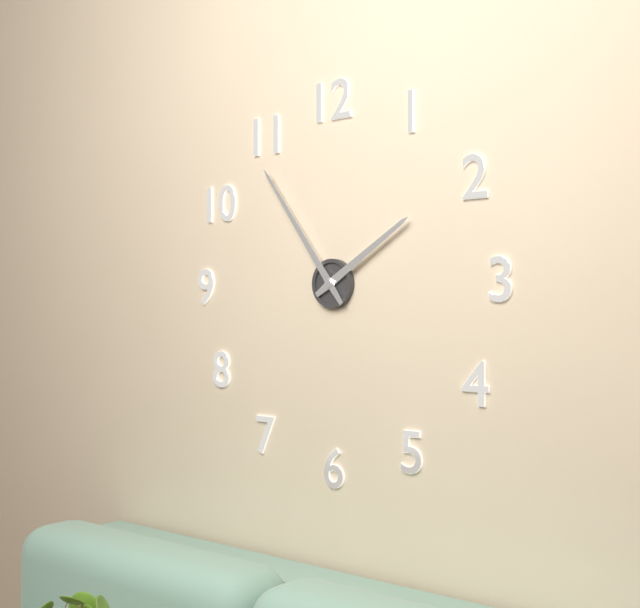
1:54
